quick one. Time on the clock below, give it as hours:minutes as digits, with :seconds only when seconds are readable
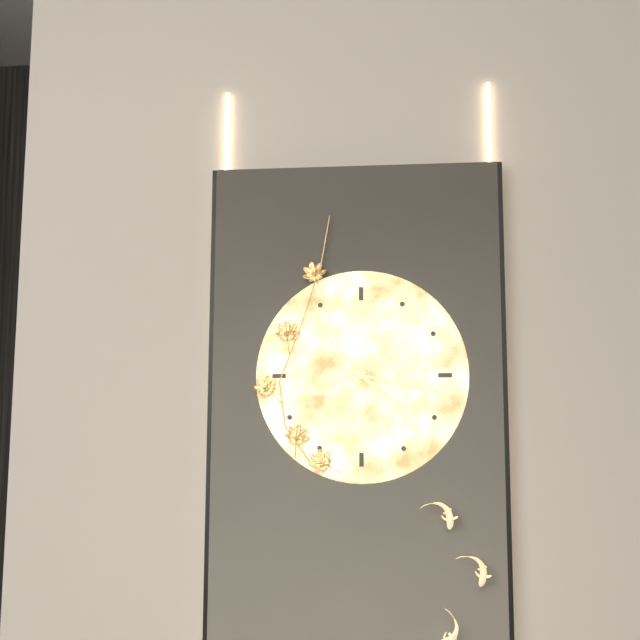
4:17
